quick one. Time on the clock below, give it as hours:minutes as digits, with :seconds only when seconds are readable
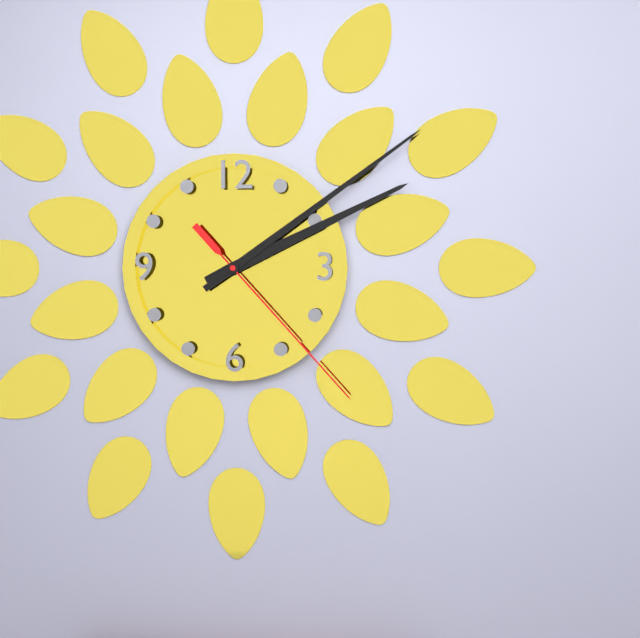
2:09:23
